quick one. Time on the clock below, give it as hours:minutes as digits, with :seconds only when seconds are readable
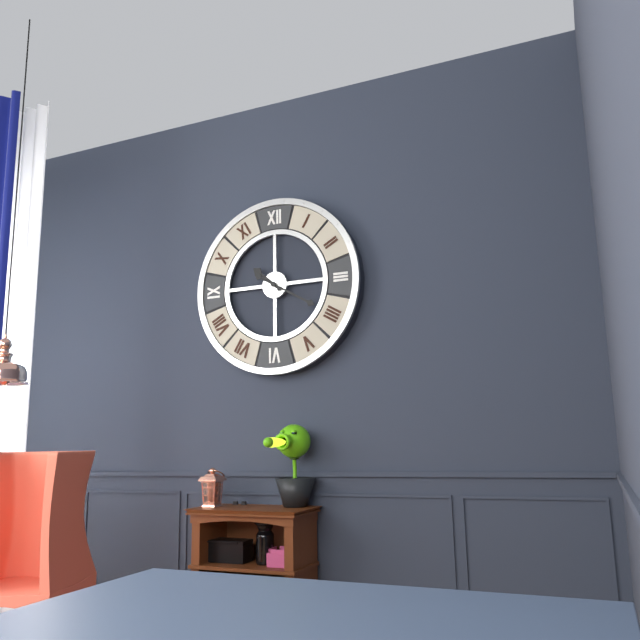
10:20
